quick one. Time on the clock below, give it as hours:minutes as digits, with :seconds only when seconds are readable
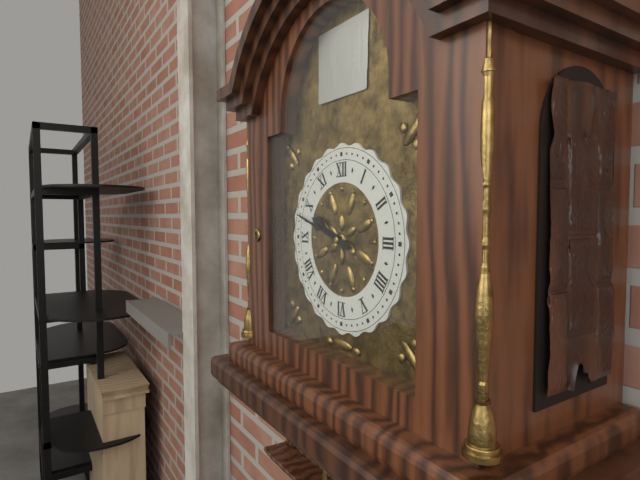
9:48
